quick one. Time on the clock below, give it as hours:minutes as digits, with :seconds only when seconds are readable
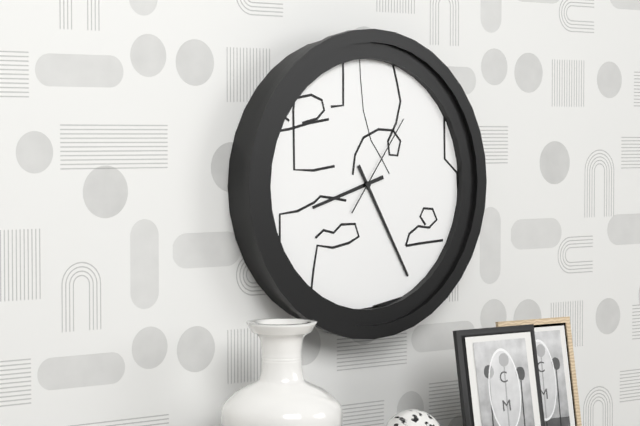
8:25:06
